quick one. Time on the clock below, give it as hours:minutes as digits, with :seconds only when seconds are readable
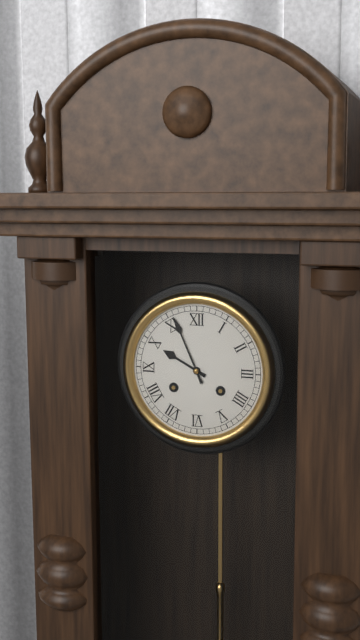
9:56
